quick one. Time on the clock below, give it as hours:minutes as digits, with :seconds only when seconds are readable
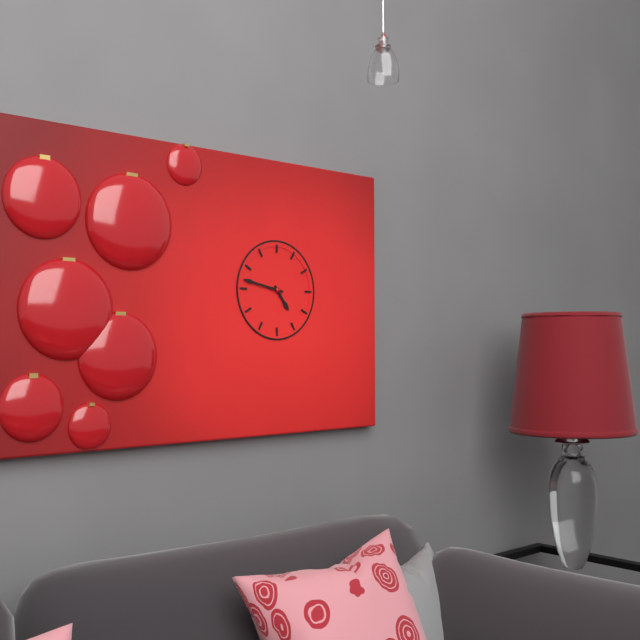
4:47
